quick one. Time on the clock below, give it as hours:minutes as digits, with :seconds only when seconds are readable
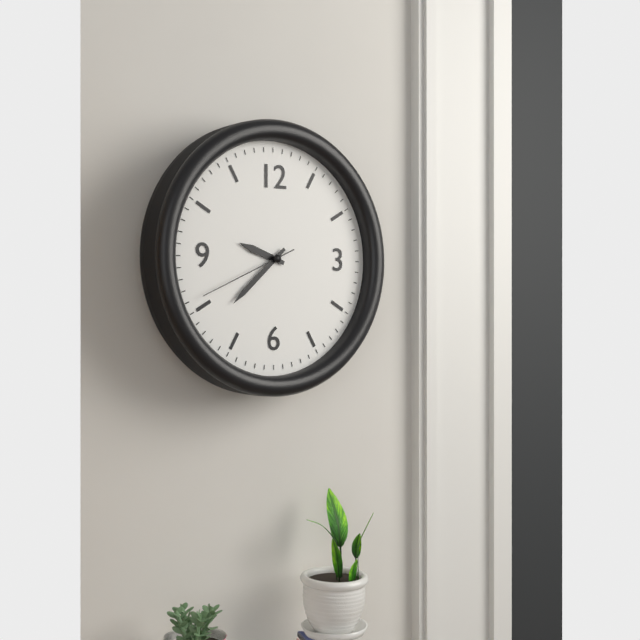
9:38:41
